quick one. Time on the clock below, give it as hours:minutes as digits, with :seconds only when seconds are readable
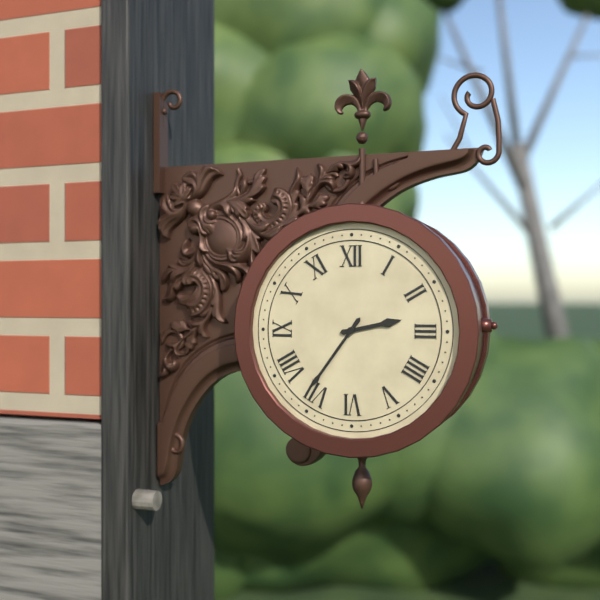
2:36
